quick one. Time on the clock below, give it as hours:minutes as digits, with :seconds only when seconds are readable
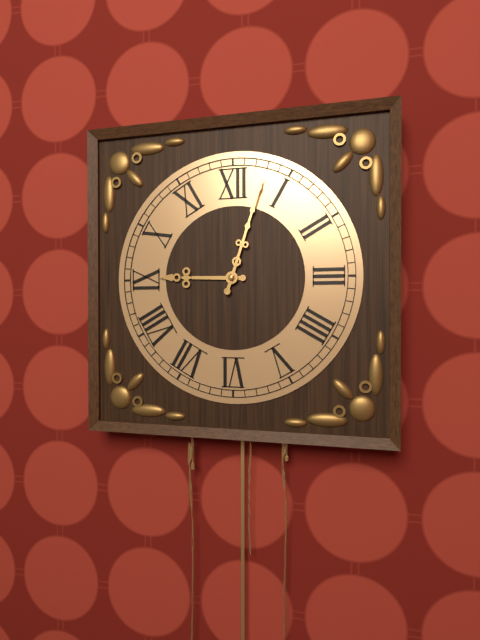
9:03
